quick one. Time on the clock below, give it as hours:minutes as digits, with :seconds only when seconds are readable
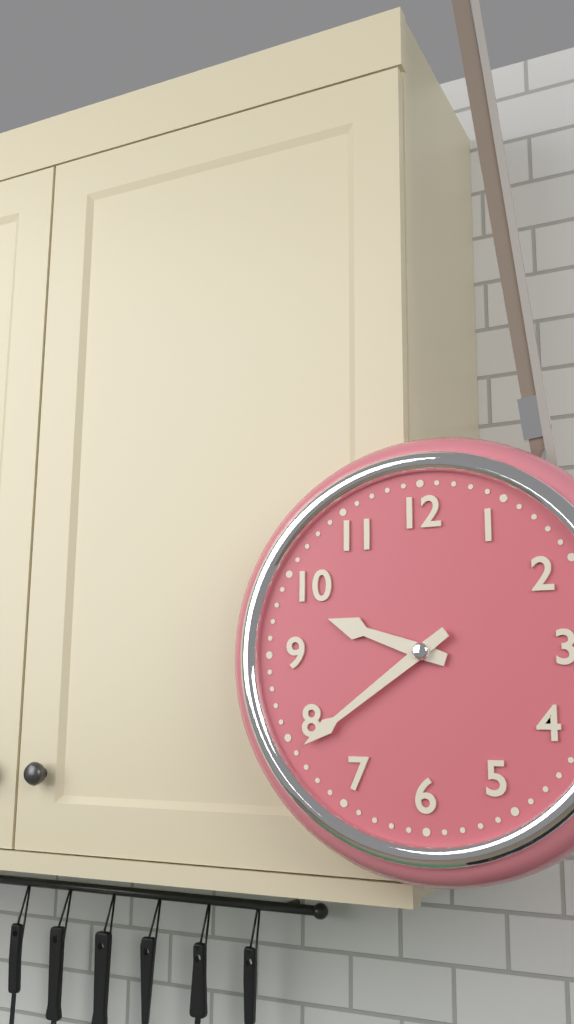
9:39
